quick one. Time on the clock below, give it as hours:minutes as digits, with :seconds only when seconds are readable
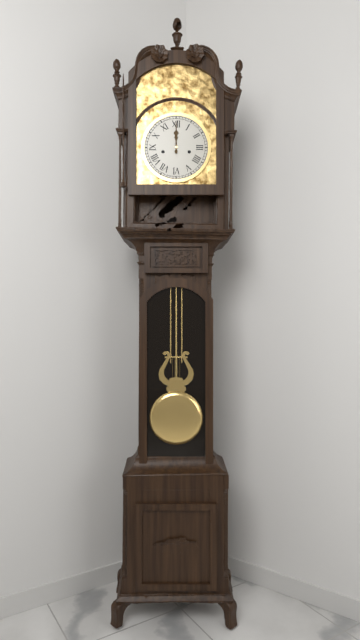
12:00
